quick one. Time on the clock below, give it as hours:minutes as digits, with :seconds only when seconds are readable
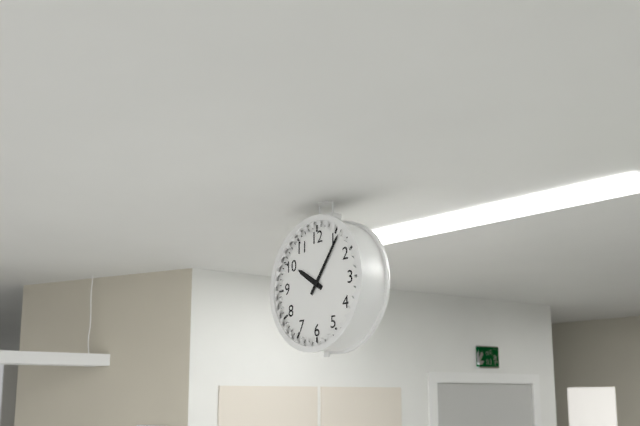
10:06
